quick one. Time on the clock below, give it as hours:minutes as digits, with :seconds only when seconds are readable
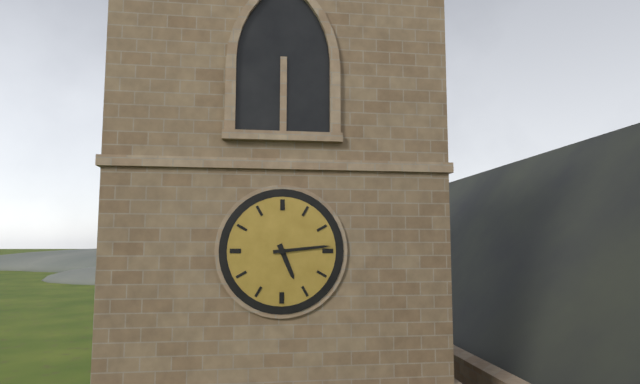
5:14
